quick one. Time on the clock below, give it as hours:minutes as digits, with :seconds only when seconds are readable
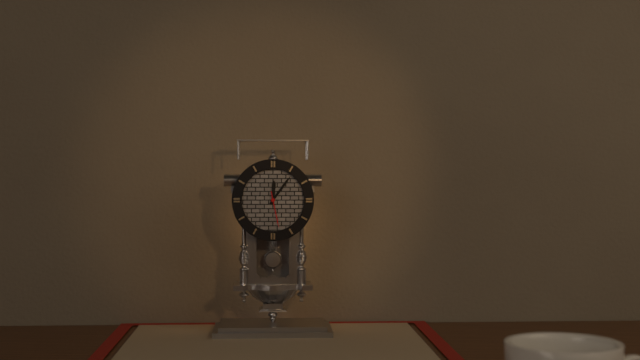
12:06
